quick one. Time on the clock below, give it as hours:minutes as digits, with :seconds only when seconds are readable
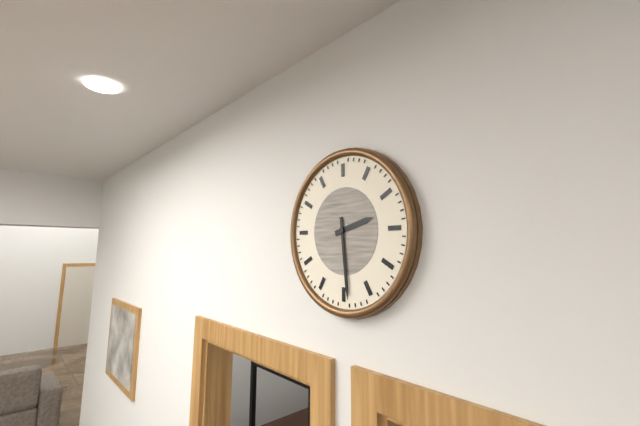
2:29
